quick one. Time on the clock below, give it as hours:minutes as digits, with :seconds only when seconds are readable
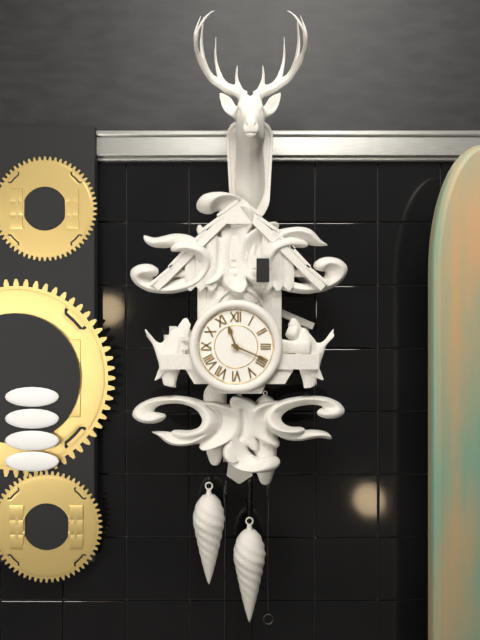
11:19
